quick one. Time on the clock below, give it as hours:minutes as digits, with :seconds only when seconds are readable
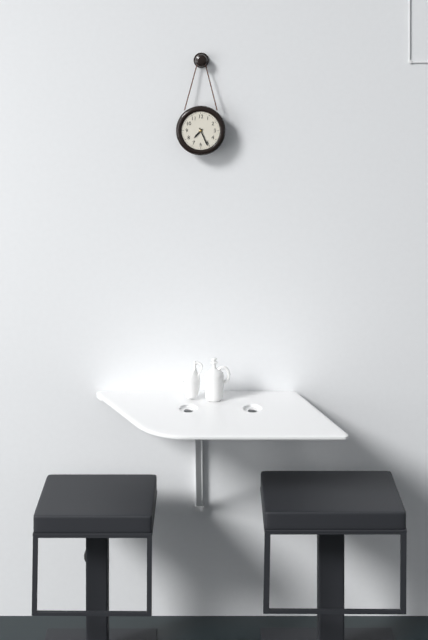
7:26
